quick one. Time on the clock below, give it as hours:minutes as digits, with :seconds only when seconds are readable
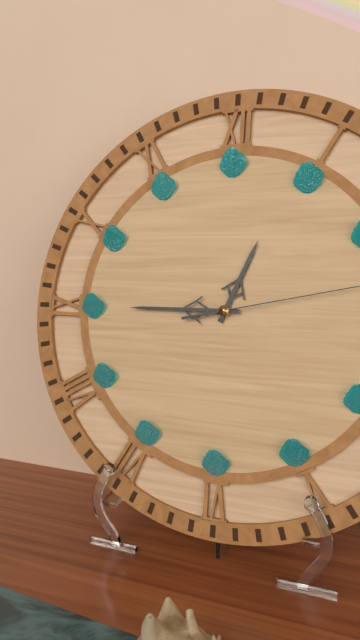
12:45
